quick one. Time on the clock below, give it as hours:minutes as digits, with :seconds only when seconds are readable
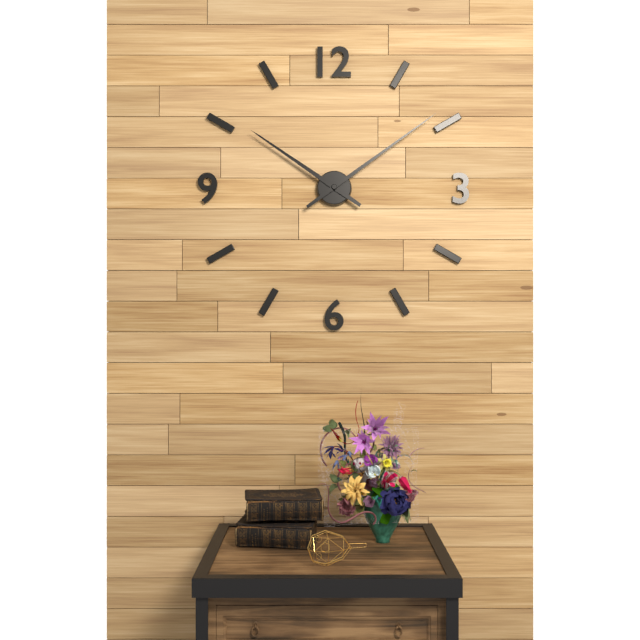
10:09
